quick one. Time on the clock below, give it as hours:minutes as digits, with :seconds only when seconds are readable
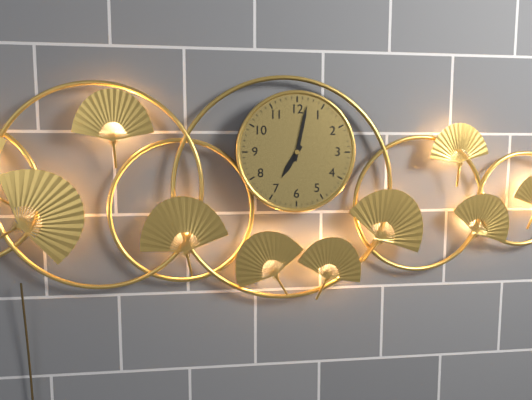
7:02
